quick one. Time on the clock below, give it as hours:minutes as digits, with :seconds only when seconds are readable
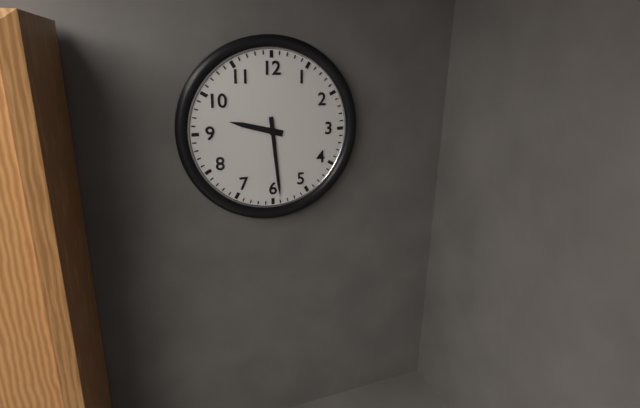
9:29
